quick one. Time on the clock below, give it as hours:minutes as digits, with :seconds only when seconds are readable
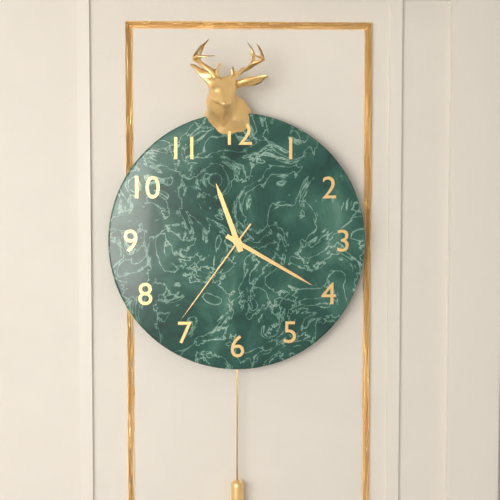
11:20:36
